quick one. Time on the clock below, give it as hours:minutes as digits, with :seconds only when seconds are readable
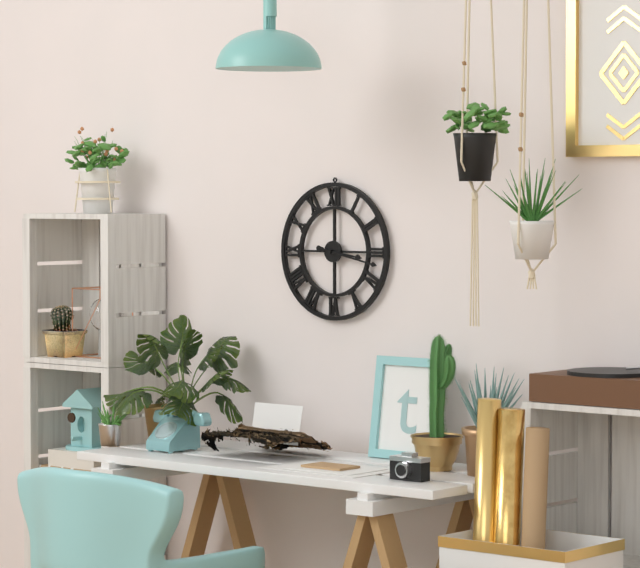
3:17
